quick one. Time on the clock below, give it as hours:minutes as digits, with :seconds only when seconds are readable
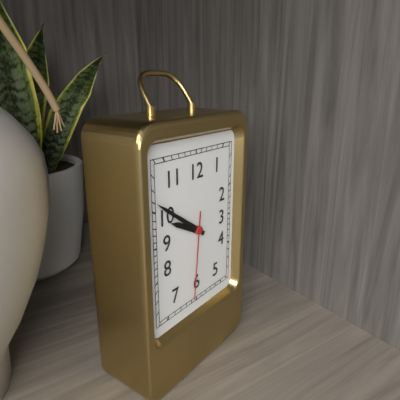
9:51:31
